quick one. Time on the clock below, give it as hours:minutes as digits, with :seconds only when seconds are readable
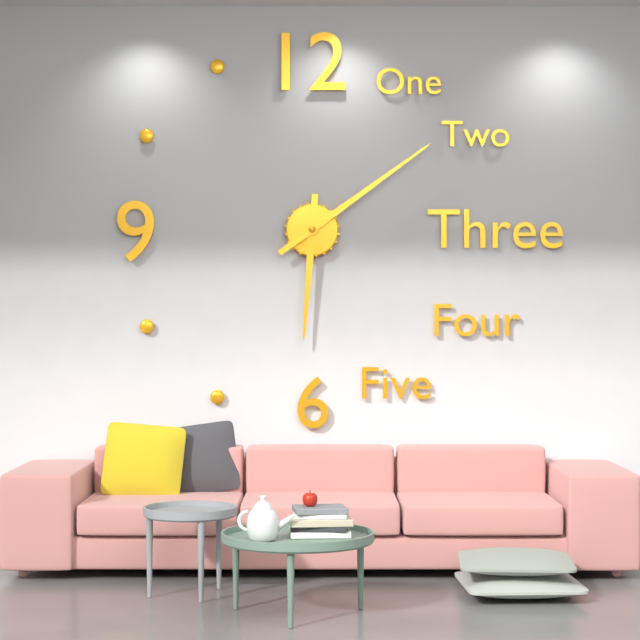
6:09
